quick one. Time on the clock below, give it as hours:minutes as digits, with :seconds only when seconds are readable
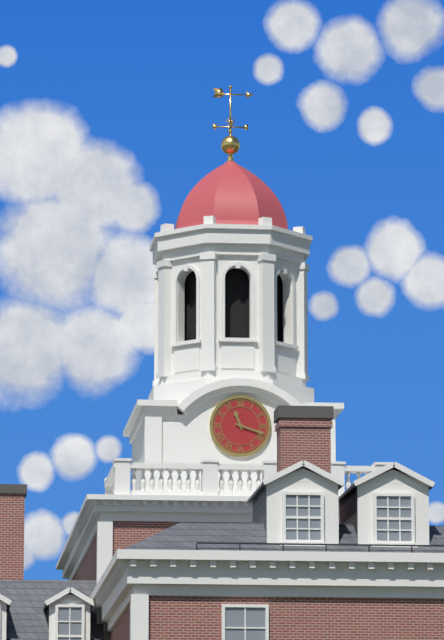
11:18
